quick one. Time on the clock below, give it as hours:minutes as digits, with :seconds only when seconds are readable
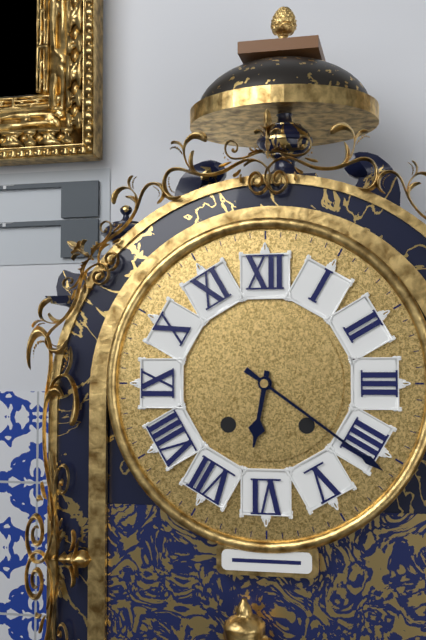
6:21
